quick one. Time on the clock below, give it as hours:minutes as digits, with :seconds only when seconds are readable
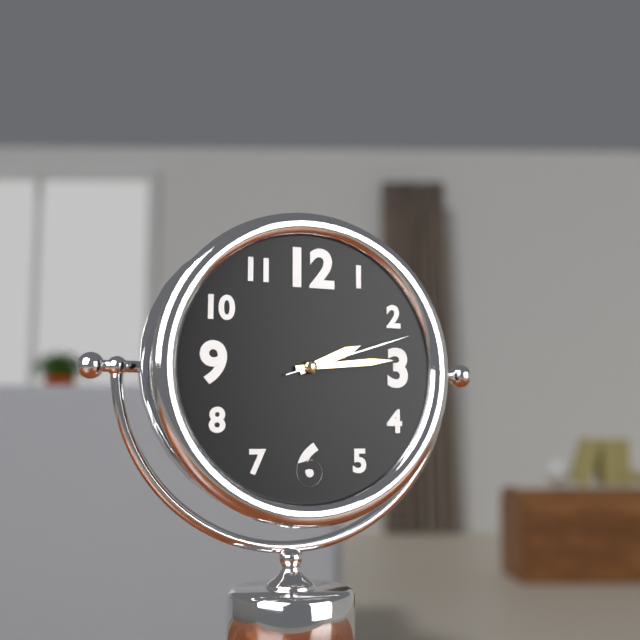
2:14:12
